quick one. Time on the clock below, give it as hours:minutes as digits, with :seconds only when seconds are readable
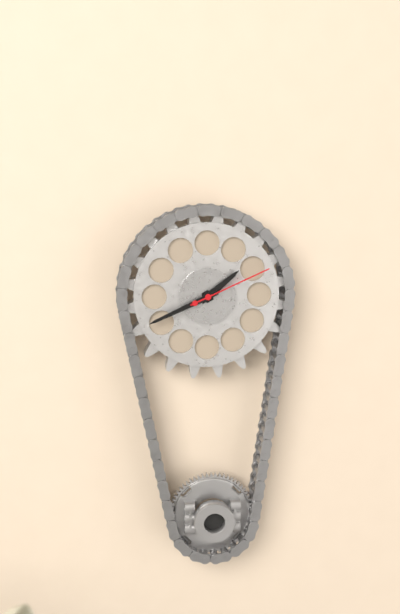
1:41:11
